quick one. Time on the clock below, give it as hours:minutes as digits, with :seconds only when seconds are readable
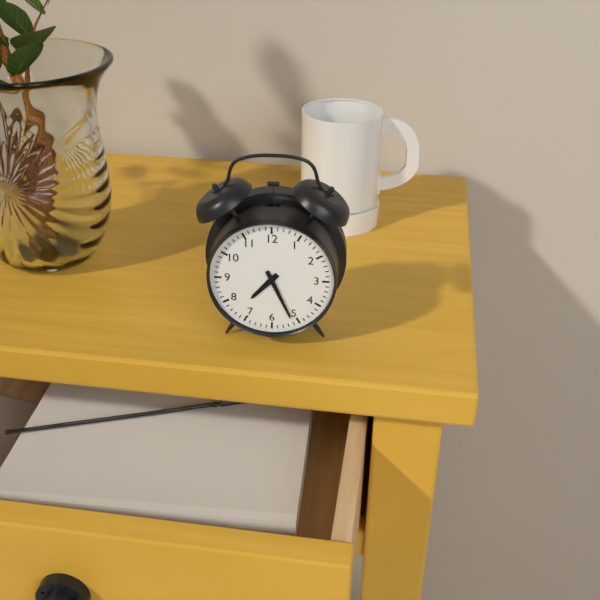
7:26
